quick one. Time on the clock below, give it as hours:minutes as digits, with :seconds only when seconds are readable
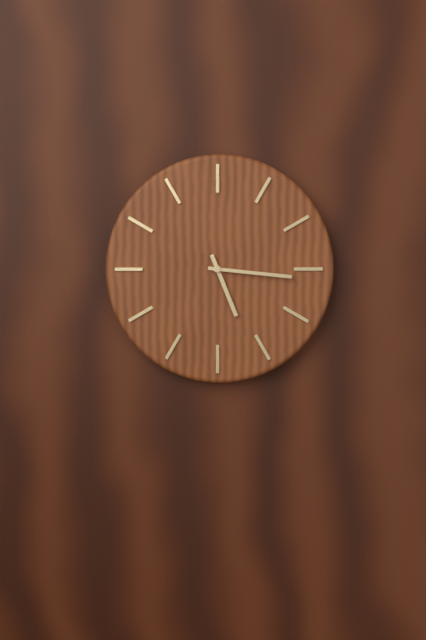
5:16
